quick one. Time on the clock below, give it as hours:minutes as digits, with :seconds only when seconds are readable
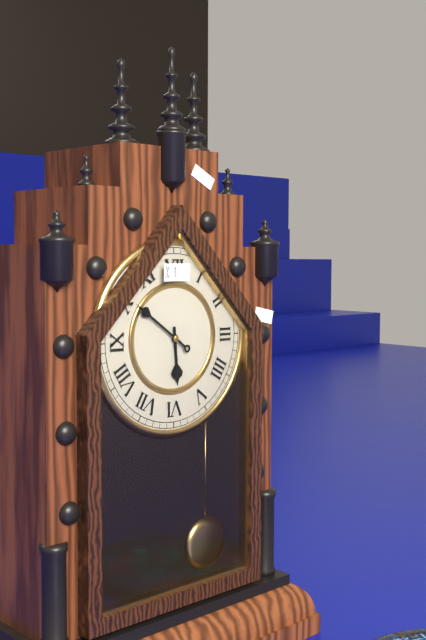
5:51
